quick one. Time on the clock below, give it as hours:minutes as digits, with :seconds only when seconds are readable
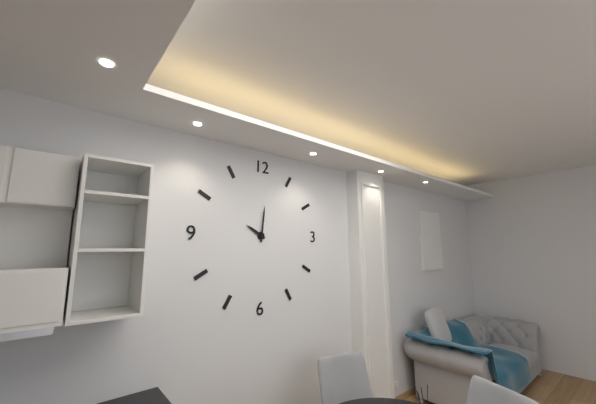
10:01
